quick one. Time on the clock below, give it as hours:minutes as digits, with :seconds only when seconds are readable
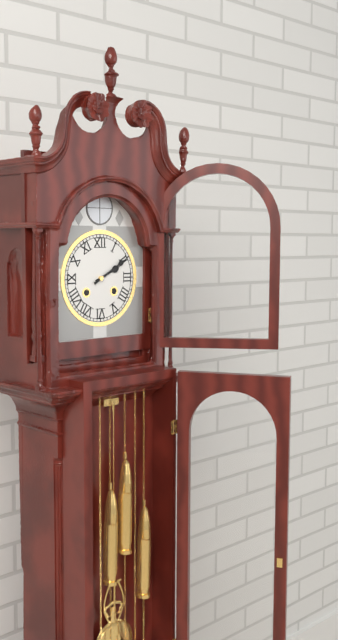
2:10
